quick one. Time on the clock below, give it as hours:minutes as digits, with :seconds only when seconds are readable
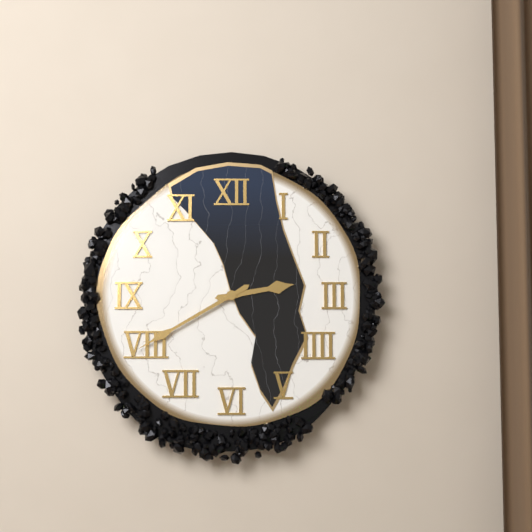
2:40
